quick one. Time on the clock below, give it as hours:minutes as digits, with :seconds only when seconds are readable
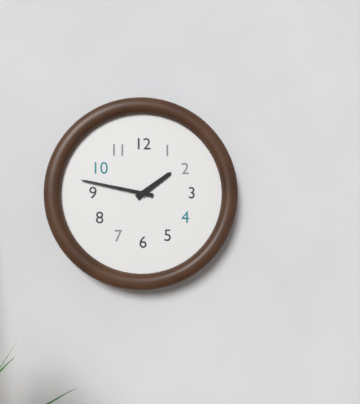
1:47
